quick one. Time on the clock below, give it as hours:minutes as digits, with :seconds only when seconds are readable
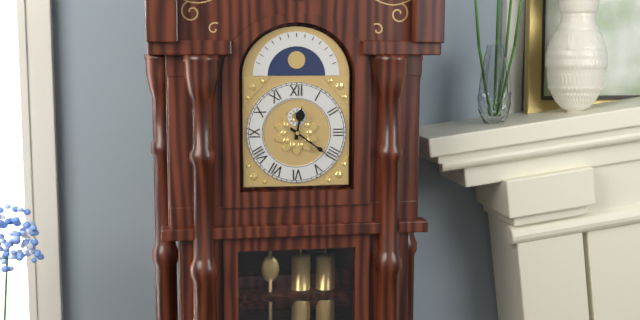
12:21
